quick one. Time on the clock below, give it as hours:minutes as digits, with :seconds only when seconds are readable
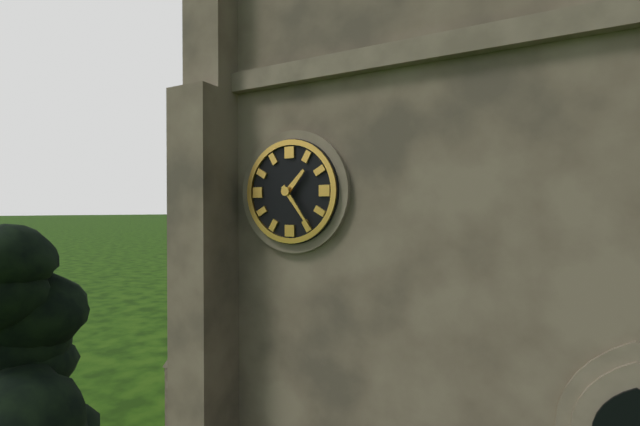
1:24
